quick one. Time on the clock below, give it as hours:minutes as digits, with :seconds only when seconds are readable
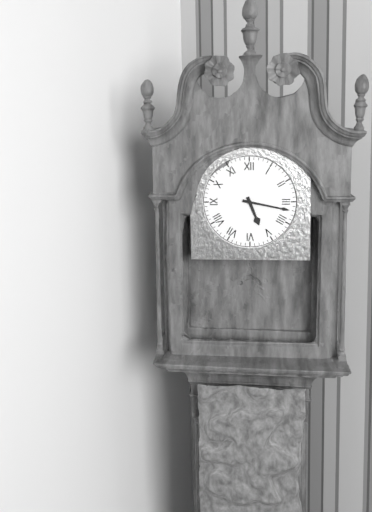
5:17
